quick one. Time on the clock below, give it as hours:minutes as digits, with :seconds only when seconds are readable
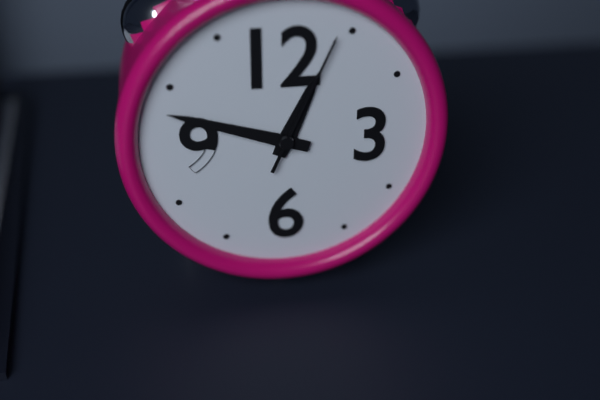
12:48:04
